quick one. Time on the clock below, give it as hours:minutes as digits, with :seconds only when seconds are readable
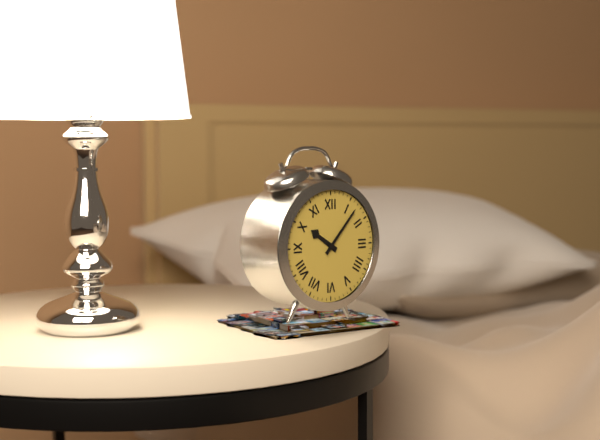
10:07
